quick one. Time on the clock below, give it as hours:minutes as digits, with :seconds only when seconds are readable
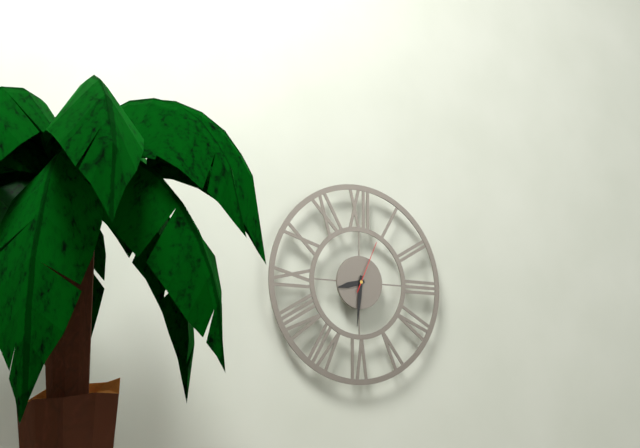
8:31:04
